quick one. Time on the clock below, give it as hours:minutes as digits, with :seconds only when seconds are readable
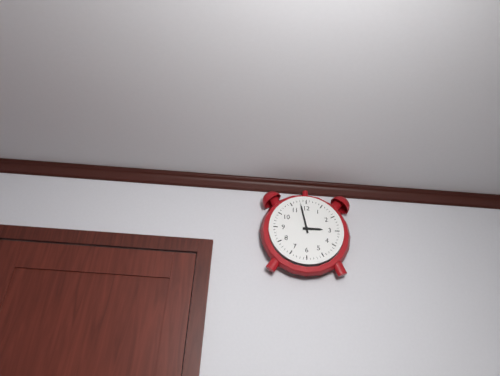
2:58
